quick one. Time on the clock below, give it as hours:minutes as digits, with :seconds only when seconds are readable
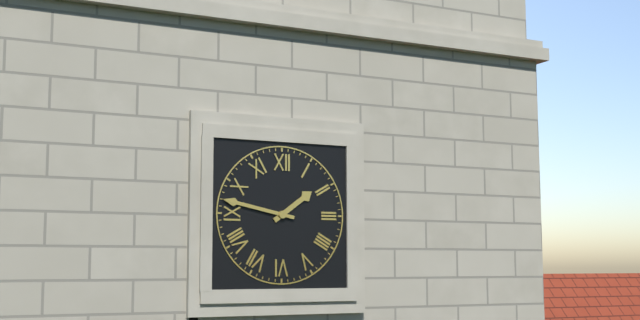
1:47
